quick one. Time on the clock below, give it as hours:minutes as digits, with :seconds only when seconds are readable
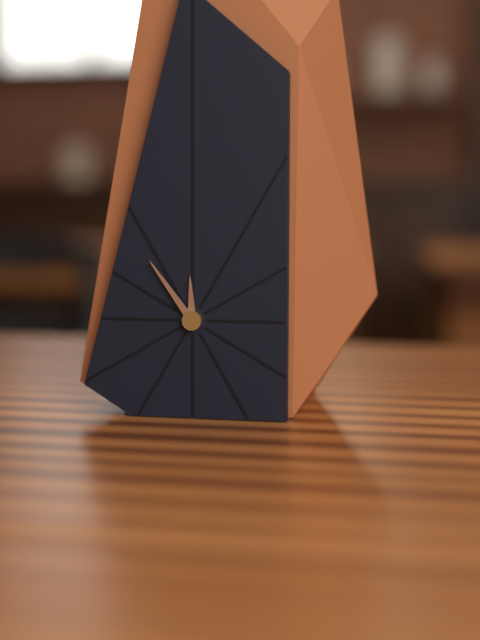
11:54
